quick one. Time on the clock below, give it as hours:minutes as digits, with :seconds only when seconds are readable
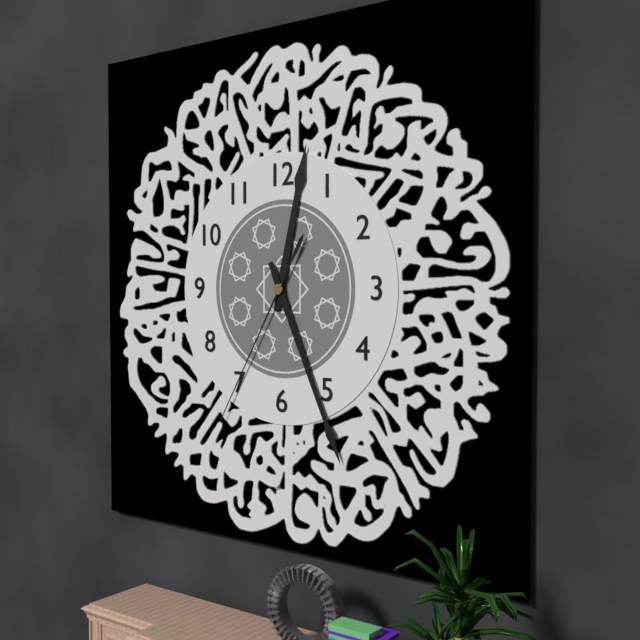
12:26:35
